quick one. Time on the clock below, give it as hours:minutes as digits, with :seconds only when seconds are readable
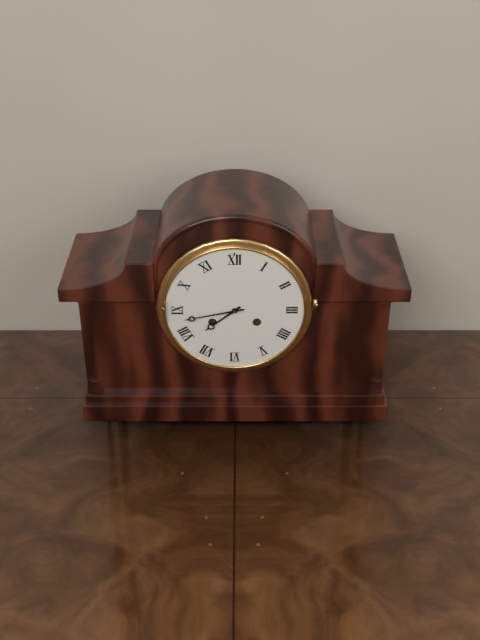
7:43
